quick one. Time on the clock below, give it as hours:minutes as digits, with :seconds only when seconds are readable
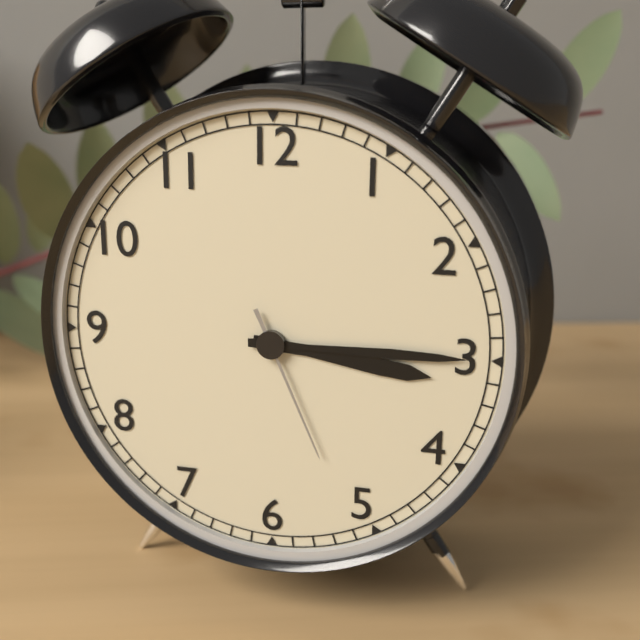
3:15:26
